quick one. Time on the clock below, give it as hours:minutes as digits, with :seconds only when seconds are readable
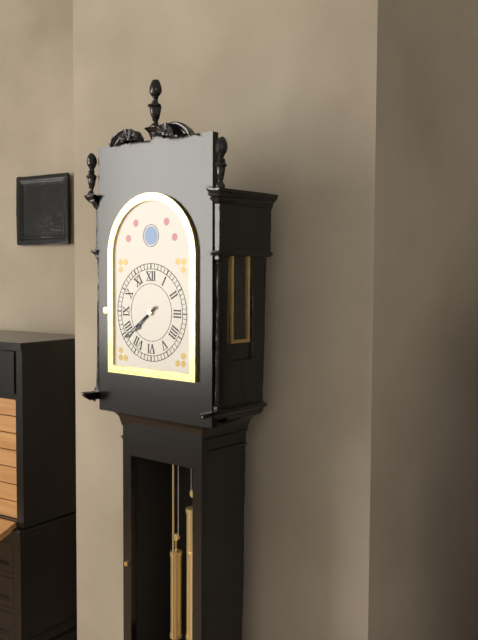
7:39
